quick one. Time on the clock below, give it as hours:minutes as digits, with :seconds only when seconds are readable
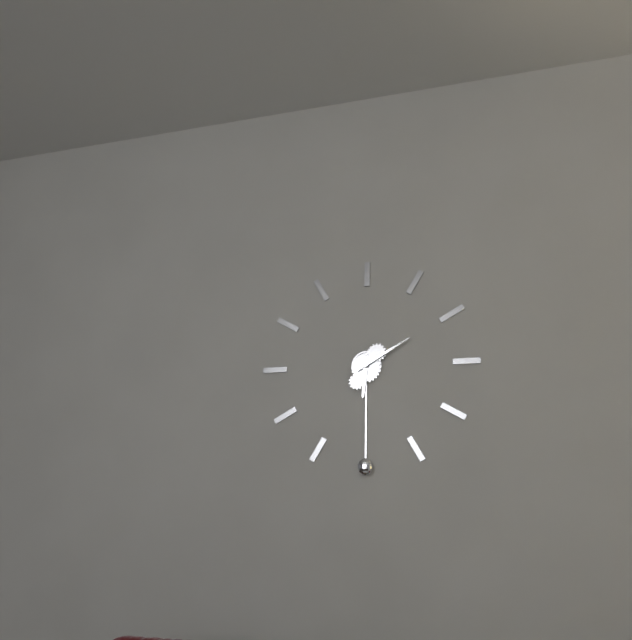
6:10
